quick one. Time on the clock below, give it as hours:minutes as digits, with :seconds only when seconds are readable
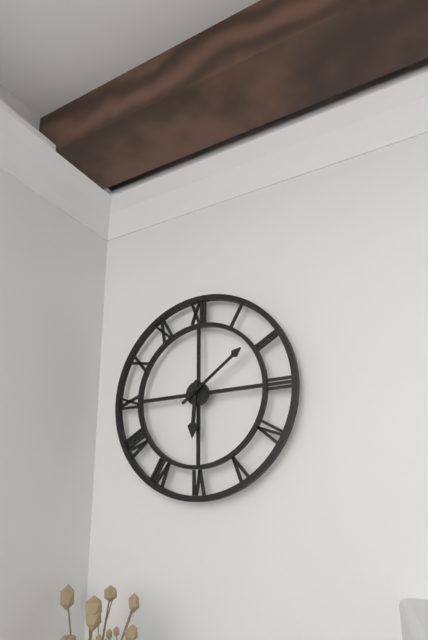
6:09
